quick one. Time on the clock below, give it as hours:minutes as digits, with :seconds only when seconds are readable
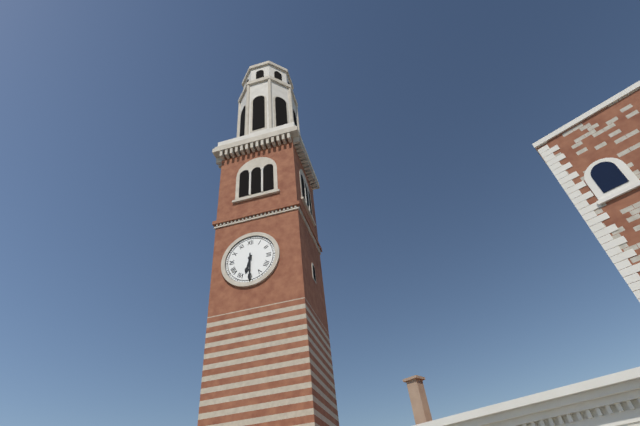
6:30
